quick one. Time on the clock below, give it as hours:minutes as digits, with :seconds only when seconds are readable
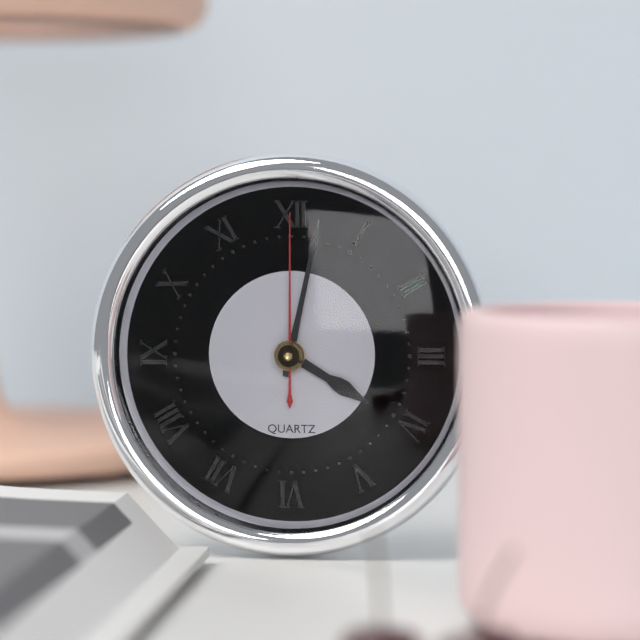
4:02:00
